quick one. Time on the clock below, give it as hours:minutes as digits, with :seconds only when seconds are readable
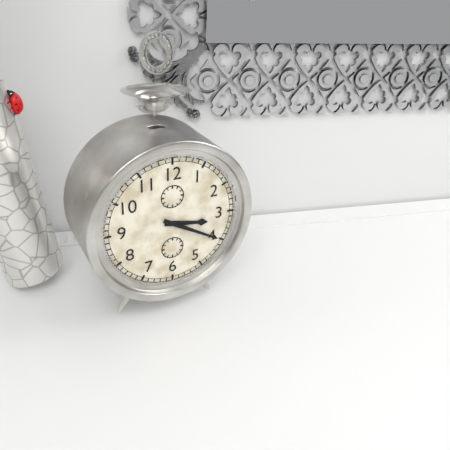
3:20
